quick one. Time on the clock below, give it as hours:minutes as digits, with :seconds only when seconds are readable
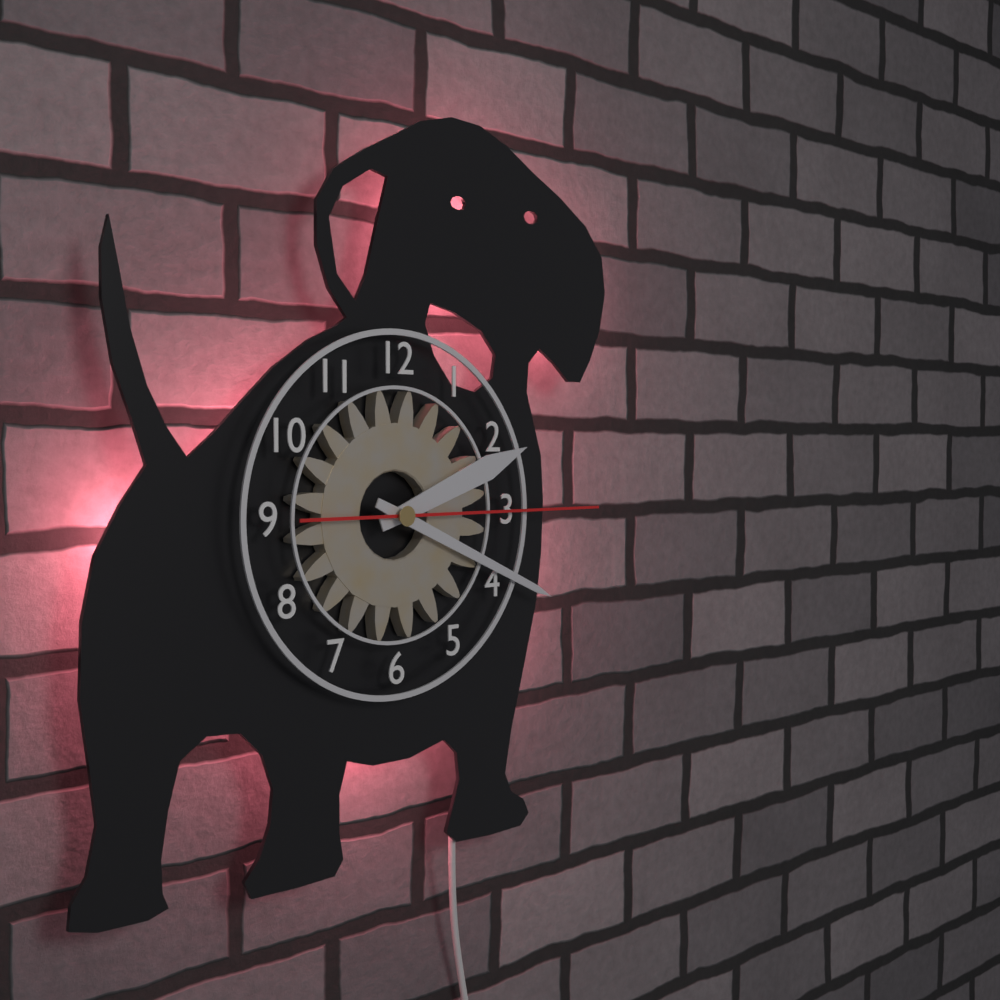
2:19:15
